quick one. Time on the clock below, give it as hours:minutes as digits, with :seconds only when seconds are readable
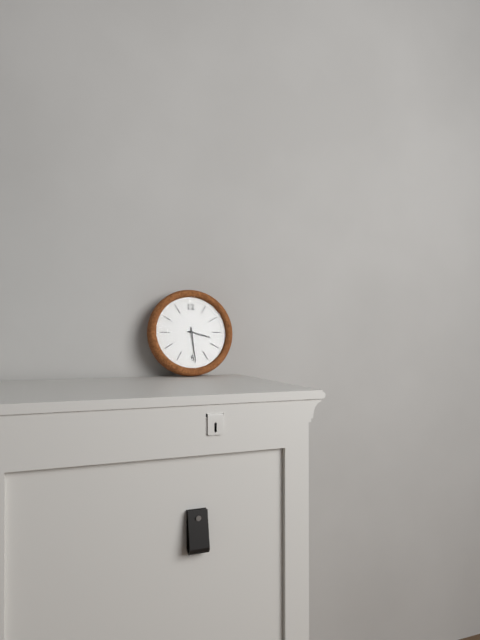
3:29
